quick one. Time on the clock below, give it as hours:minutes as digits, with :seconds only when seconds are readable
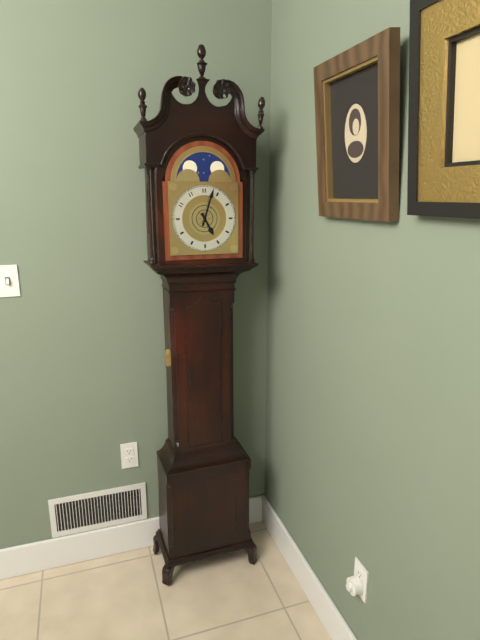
5:03
